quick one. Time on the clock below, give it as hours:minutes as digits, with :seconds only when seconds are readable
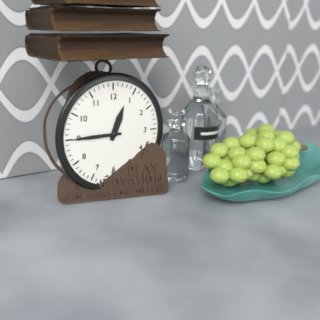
12:45
